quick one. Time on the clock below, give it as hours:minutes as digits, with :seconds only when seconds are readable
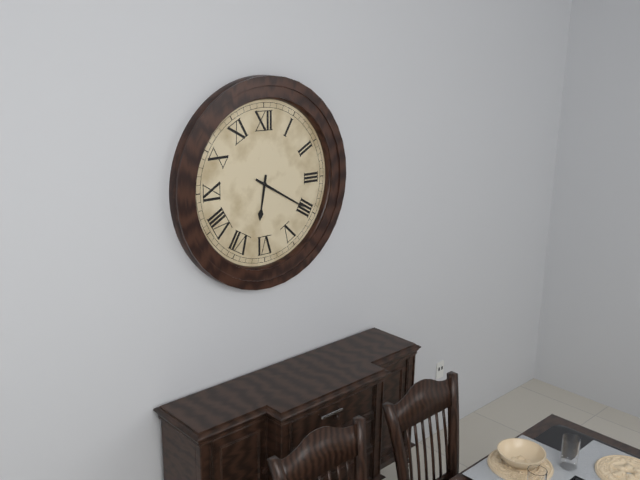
6:20
